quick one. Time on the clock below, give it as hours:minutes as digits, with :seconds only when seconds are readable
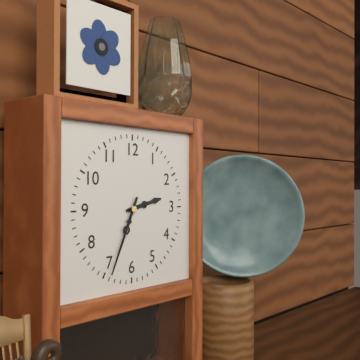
2:34
